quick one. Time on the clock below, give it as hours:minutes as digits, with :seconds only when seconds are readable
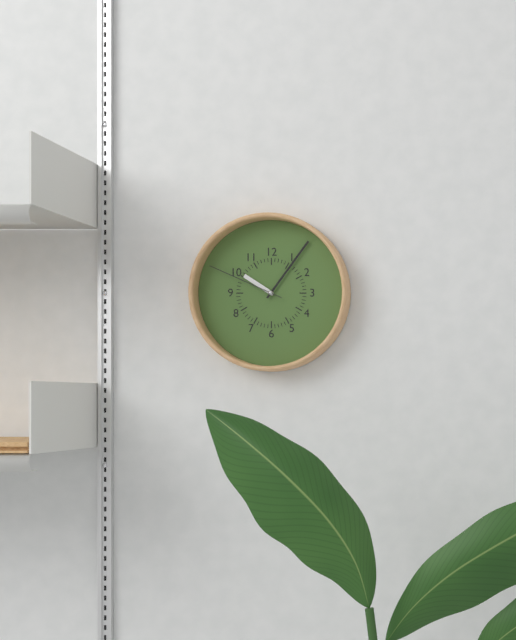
10:06:49
